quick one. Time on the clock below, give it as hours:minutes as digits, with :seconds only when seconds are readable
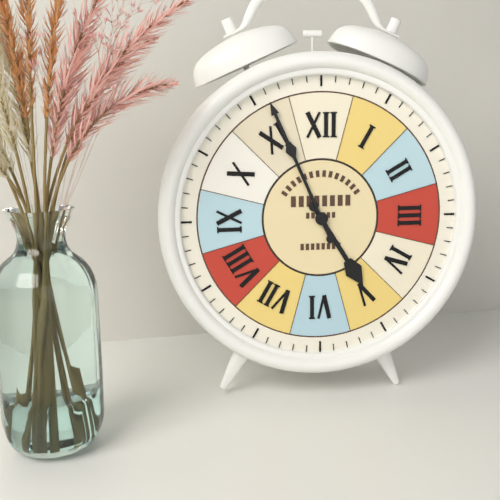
4:56
